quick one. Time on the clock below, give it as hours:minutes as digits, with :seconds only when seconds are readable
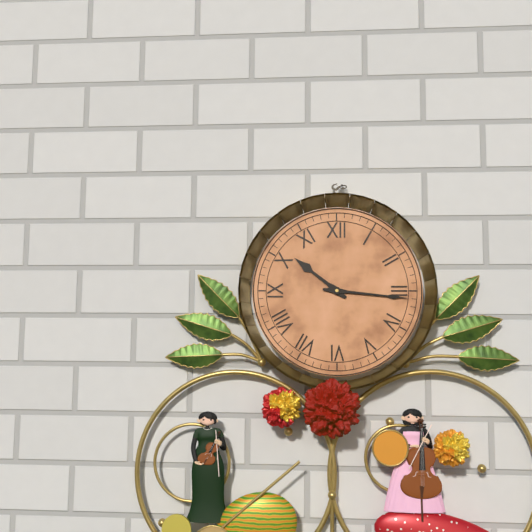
10:16
